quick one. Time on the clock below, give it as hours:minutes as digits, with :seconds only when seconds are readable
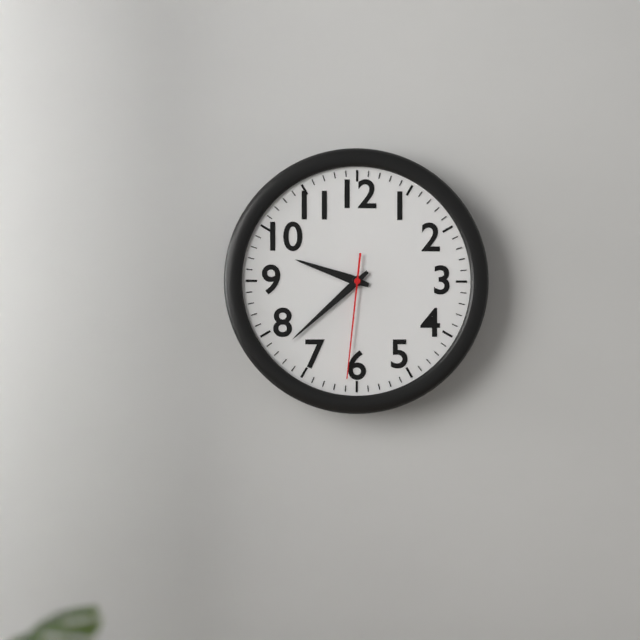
9:38:31
